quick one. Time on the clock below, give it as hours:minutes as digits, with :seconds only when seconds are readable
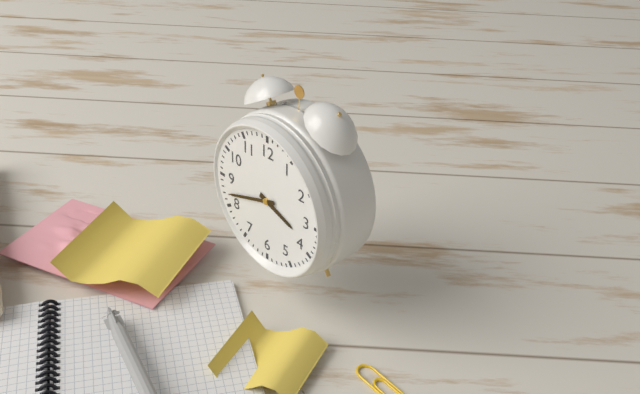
3:42
